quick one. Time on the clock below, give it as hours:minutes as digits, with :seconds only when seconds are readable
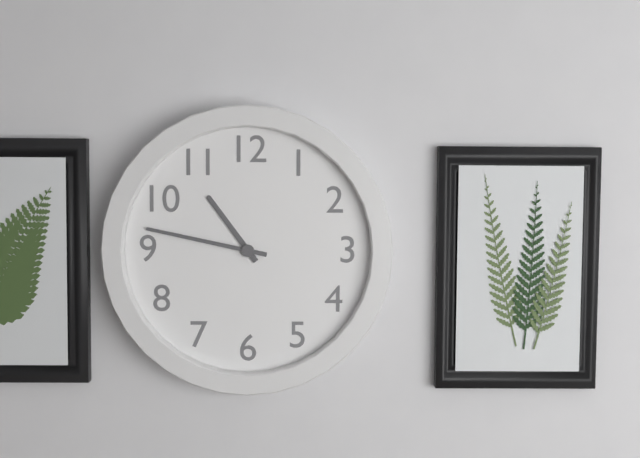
10:47
